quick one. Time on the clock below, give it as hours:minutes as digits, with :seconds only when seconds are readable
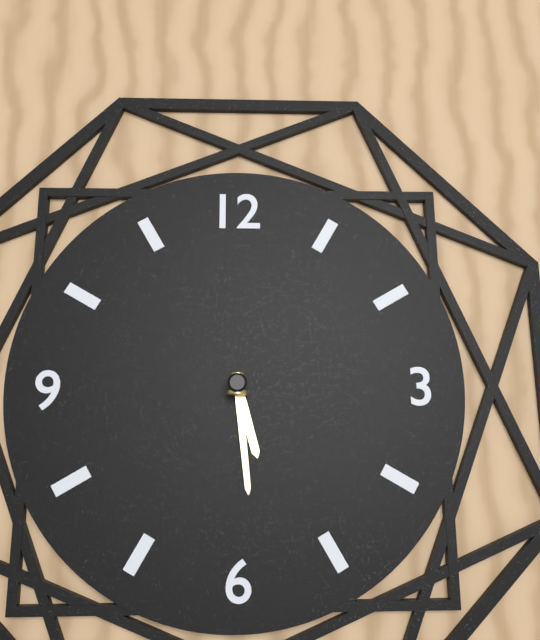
5:29
